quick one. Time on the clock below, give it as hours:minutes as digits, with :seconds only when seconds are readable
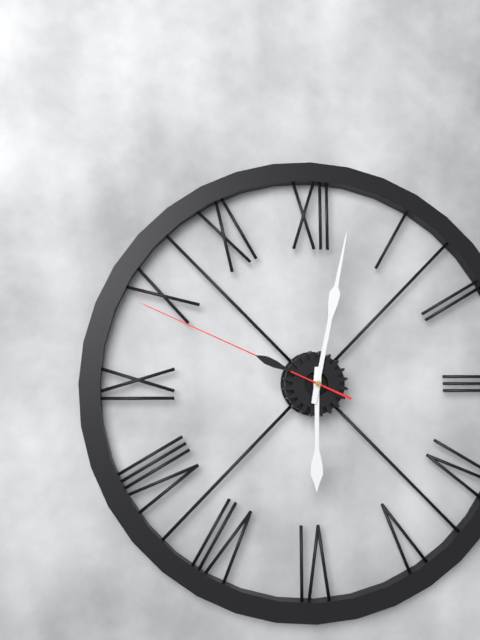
6:02:49
